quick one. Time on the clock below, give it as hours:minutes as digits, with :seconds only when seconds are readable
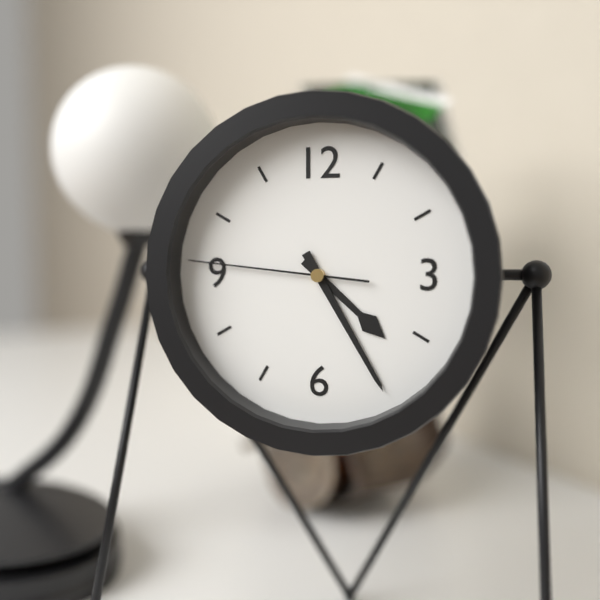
4:25:46
